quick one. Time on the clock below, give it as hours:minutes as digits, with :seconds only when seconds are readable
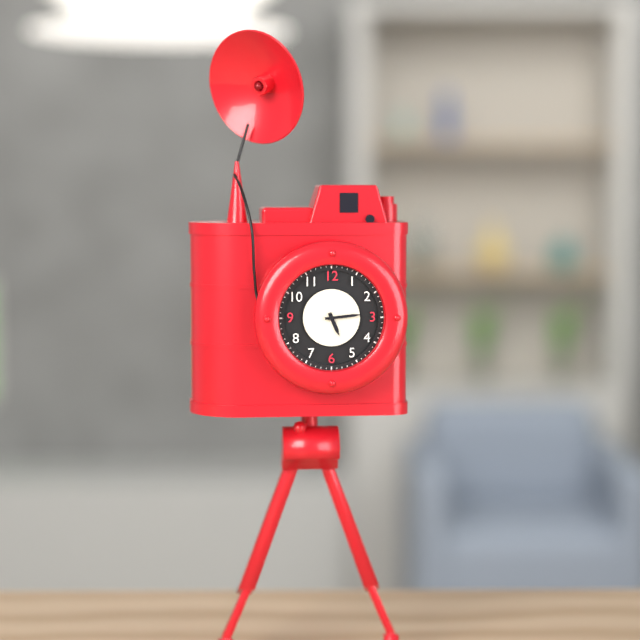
5:14
